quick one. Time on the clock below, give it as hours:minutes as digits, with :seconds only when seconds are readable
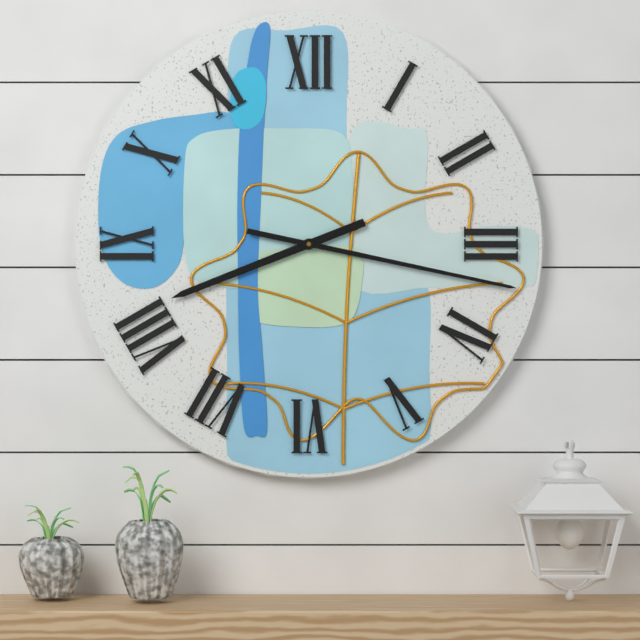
8:17
